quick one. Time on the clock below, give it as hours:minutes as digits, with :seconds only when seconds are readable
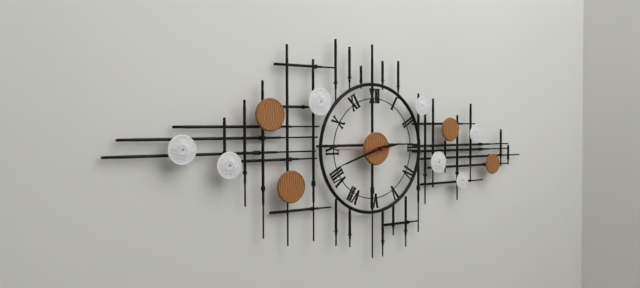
2:42:45
